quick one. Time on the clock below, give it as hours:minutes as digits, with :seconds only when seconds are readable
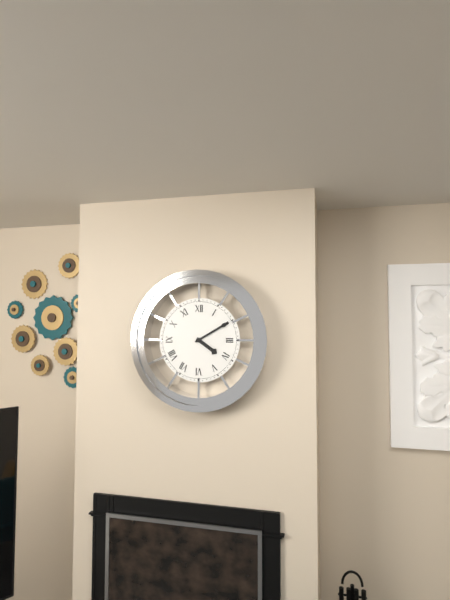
4:10
